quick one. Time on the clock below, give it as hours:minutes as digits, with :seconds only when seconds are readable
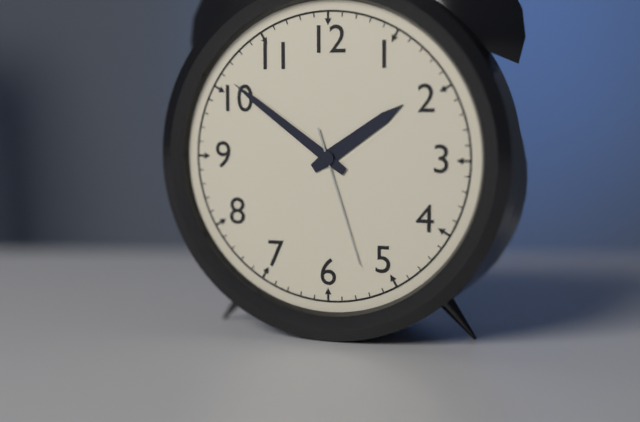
1:51:27
